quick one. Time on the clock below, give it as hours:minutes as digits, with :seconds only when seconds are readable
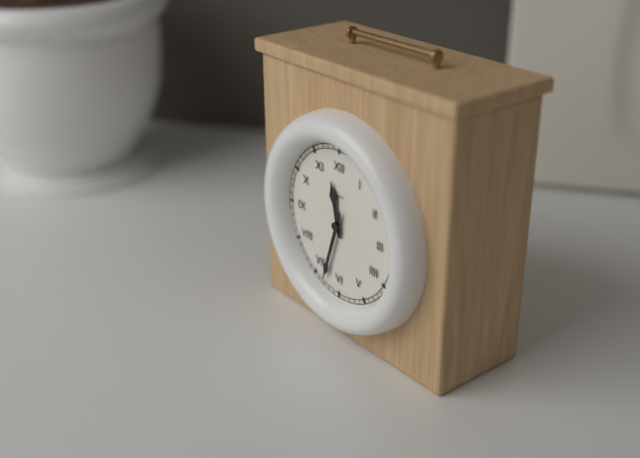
11:33
